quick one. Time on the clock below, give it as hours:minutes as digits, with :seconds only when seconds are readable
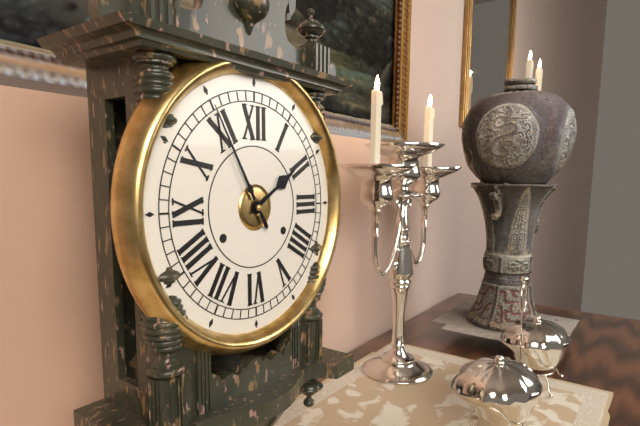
1:55
